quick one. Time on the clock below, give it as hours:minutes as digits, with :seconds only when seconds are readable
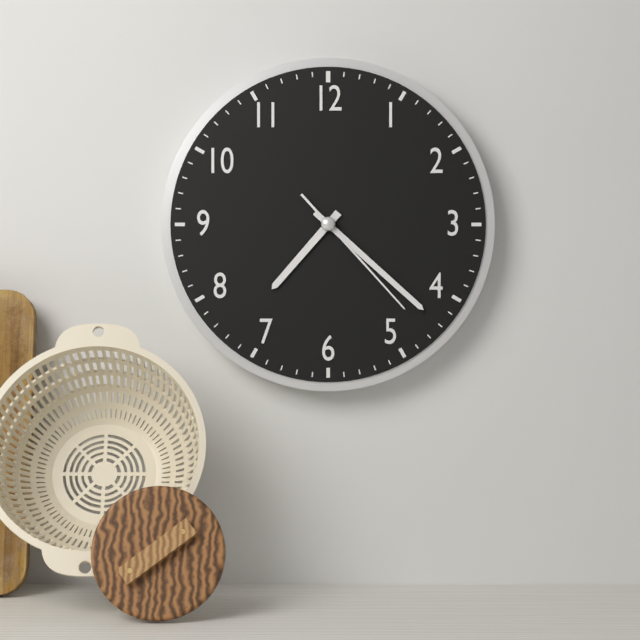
7:22:23
